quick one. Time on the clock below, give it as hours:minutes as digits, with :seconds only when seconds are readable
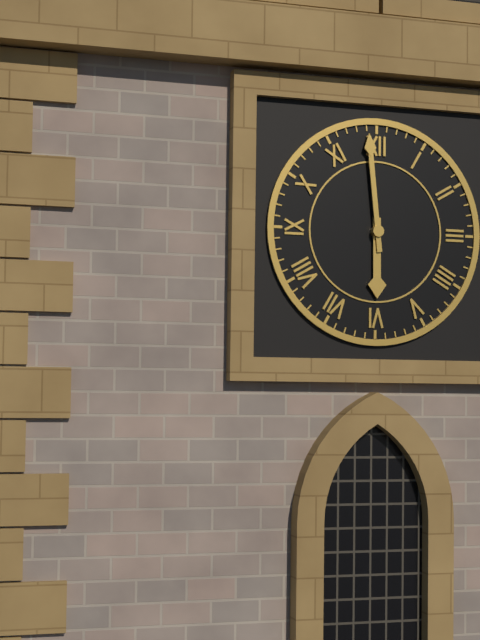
5:59
